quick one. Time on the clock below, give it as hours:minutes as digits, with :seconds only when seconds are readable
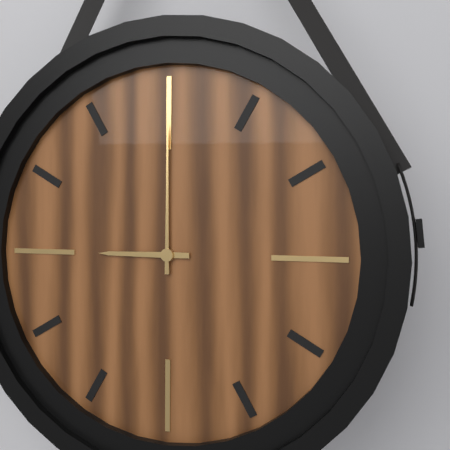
9:00
